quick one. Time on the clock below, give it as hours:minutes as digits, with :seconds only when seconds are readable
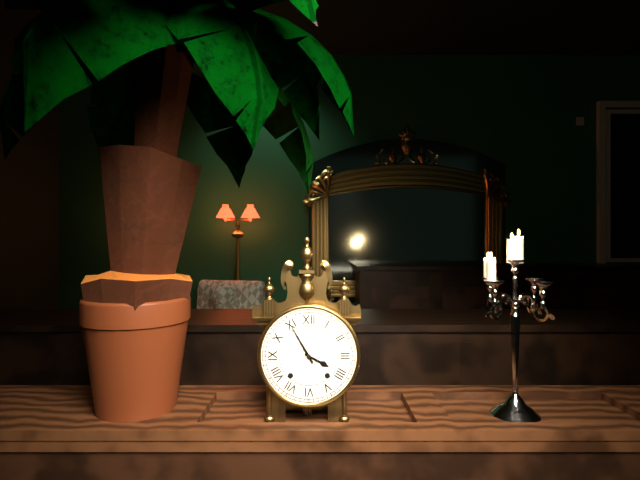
3:55
